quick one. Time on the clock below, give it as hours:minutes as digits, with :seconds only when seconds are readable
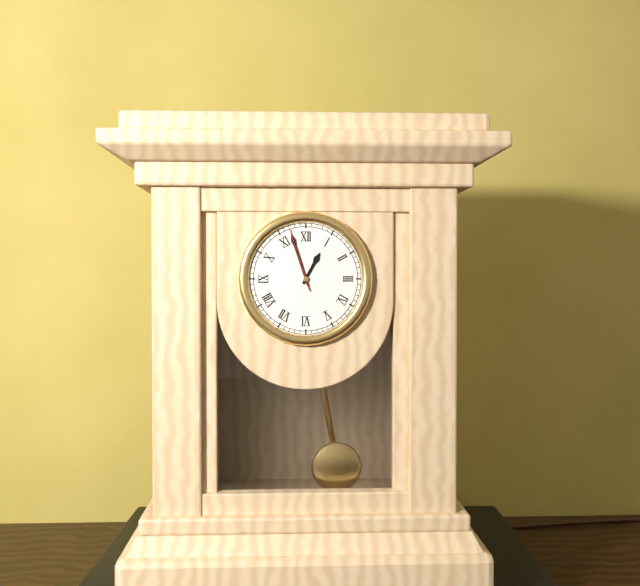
12:57:57
